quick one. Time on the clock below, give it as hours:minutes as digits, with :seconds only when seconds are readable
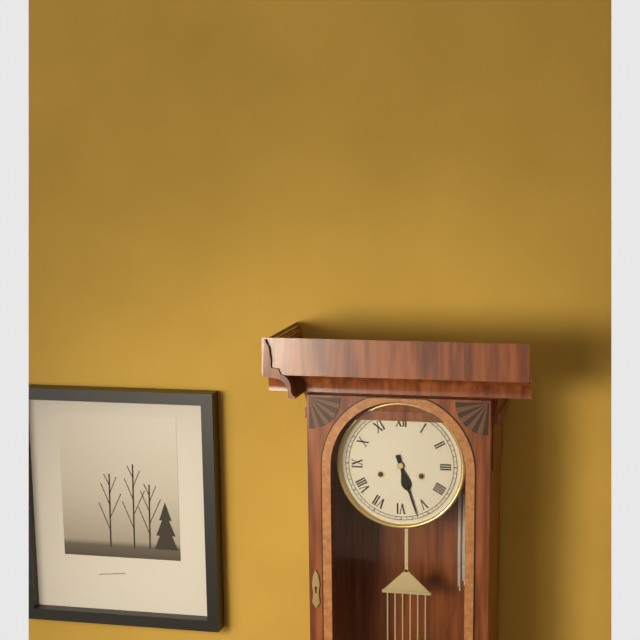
5:27
